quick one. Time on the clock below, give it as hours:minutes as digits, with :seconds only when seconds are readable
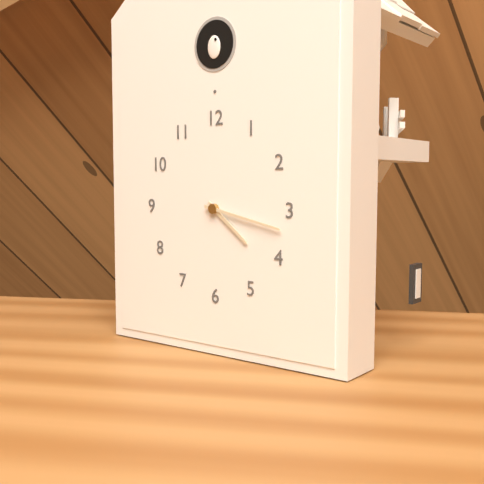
4:17
